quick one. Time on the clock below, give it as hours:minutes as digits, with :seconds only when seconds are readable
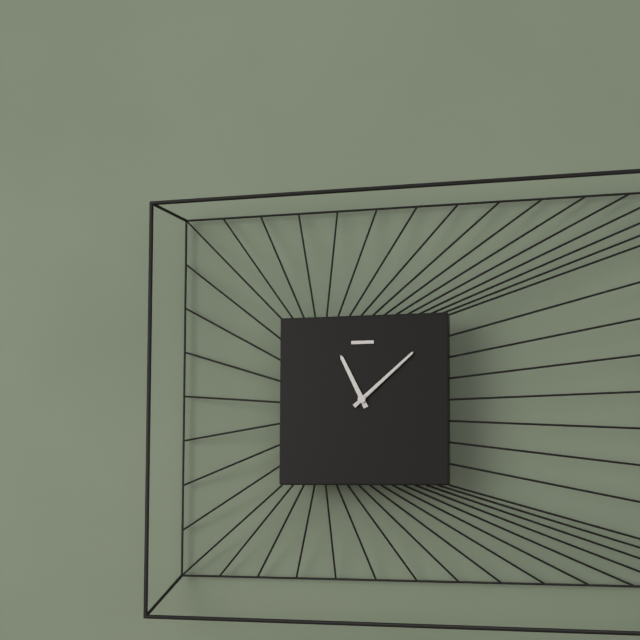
11:08
